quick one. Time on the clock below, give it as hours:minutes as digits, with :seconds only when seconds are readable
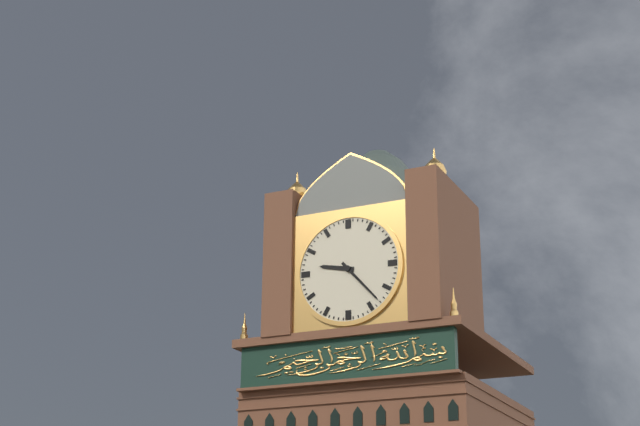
9:23
